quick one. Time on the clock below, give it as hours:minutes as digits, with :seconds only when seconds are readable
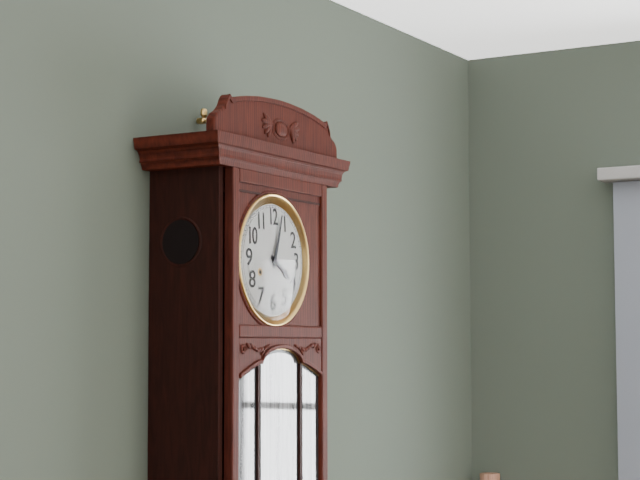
4:03
